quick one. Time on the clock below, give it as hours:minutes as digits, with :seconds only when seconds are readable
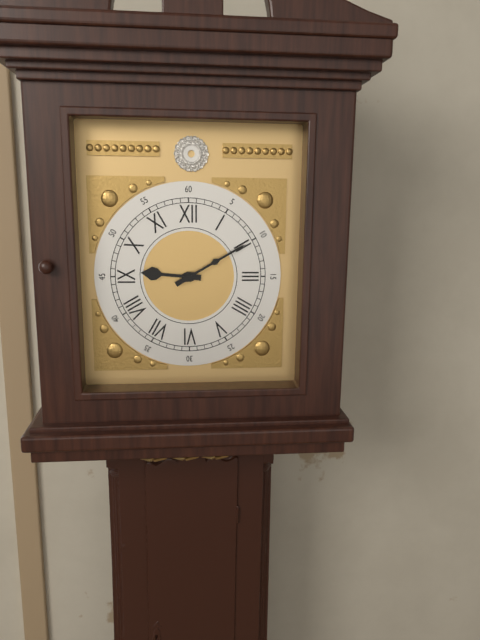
9:10
